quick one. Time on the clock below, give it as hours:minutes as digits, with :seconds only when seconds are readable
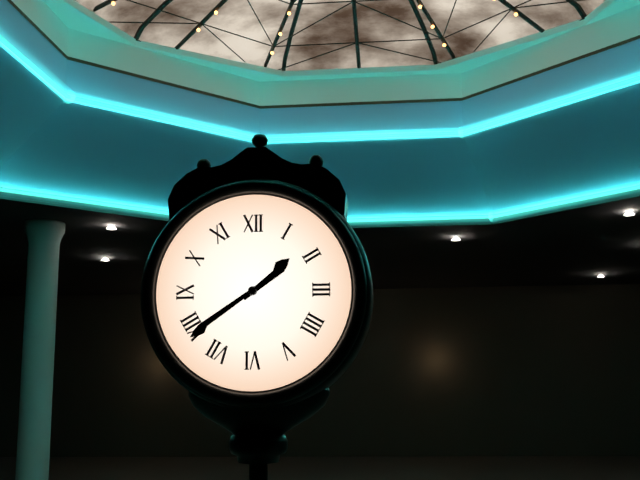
1:39
